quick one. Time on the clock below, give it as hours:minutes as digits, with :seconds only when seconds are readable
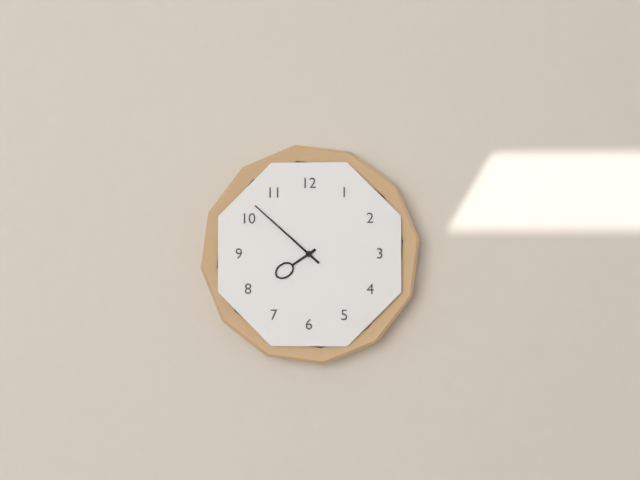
7:52
